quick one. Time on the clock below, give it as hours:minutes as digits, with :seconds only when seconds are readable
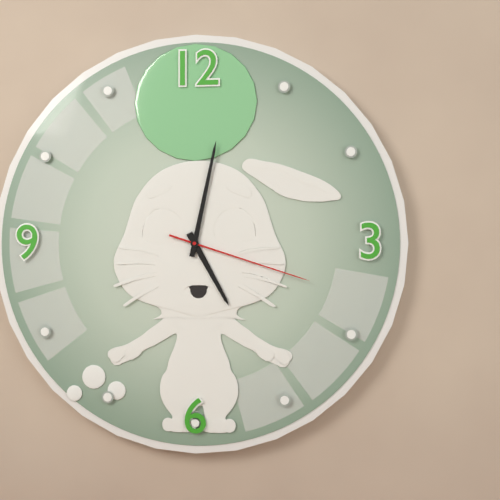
5:02:18
